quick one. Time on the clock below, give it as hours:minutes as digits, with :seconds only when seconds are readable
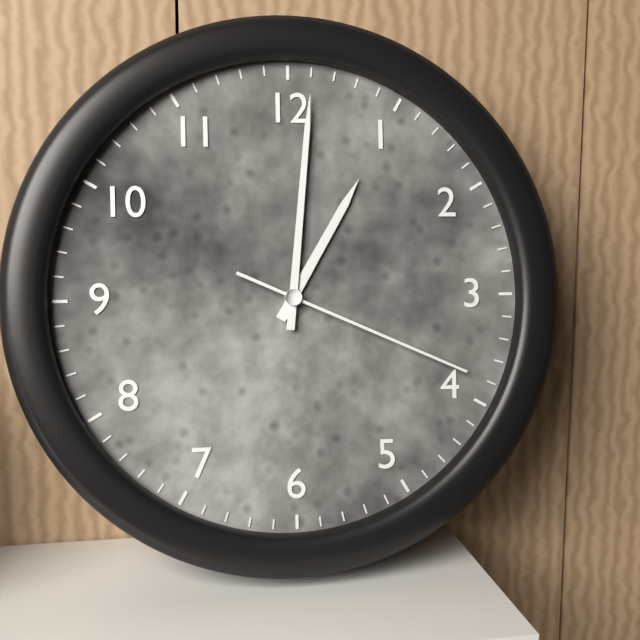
1:01:19
